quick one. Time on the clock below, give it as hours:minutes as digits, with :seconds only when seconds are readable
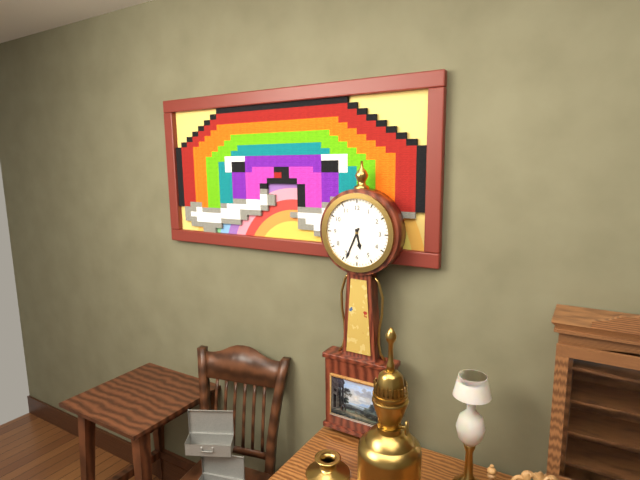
5:34
